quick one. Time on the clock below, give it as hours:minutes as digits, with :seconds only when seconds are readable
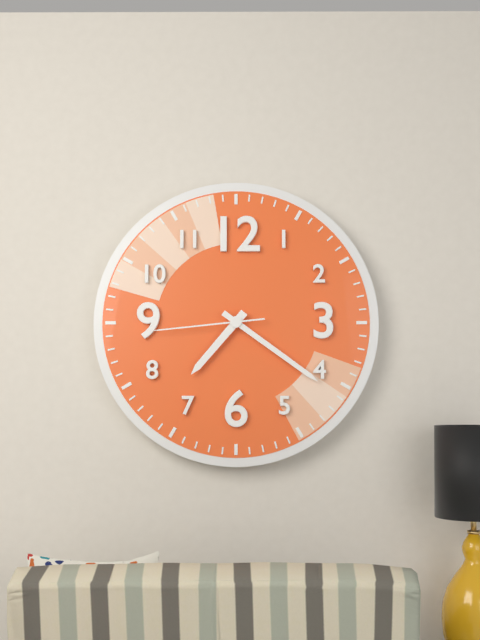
7:21:44
